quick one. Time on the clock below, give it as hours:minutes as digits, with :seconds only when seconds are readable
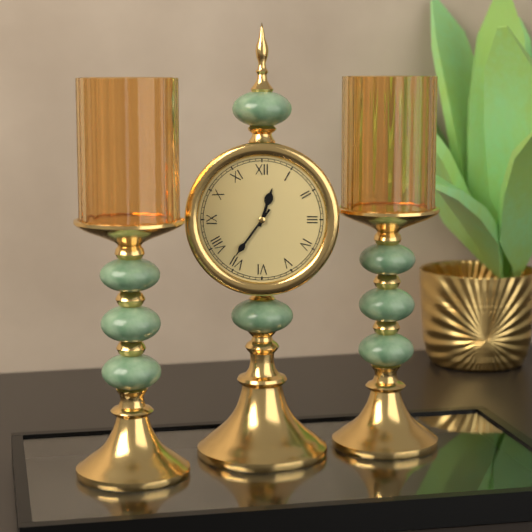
12:36
